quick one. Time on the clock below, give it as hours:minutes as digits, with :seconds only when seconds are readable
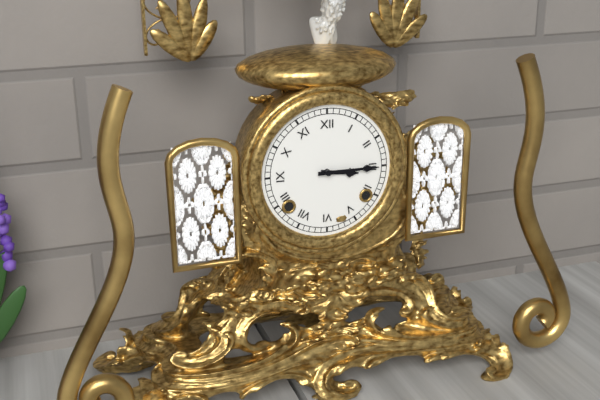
3:15
